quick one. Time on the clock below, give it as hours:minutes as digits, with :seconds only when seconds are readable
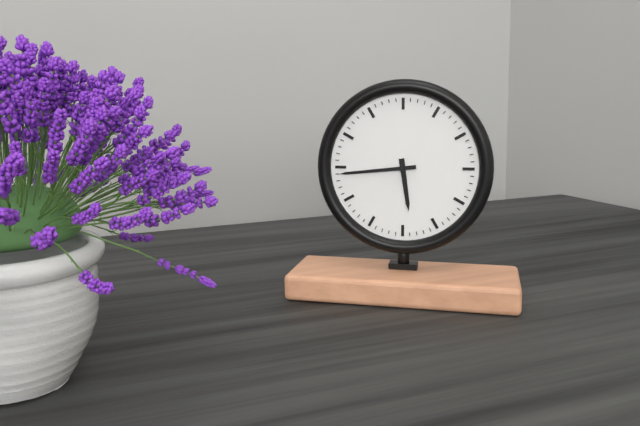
5:44
